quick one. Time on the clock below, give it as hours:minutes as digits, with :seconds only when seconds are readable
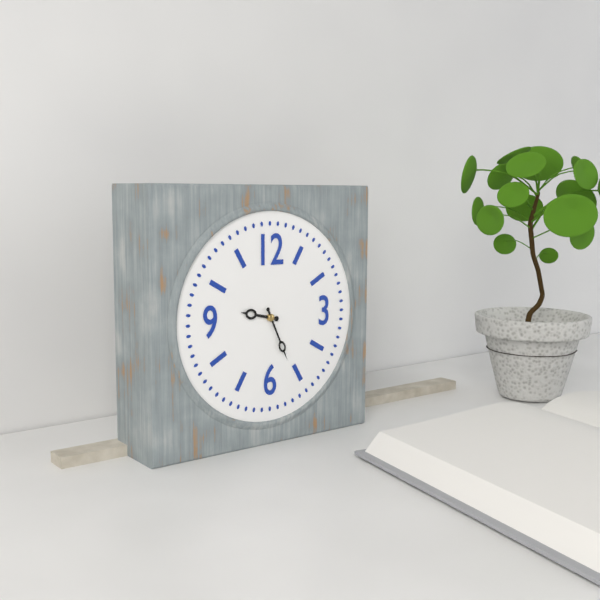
9:26
